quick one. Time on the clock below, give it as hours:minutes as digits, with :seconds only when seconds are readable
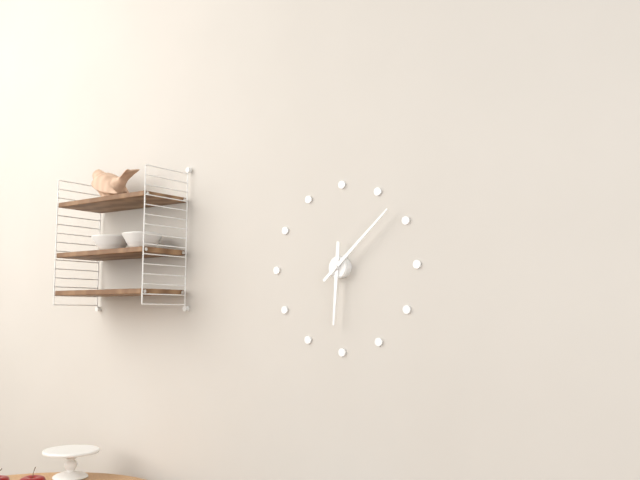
6:08
